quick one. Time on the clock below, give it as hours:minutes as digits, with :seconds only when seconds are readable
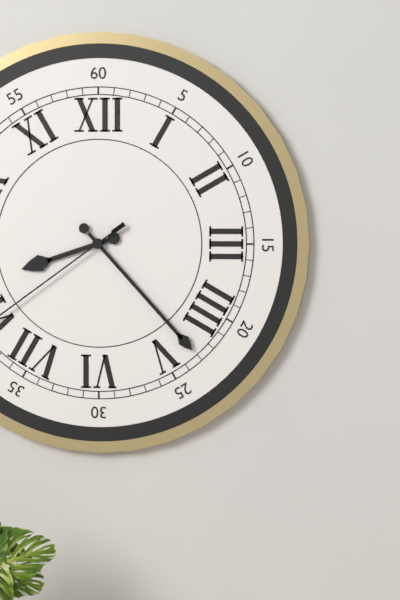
8:23
